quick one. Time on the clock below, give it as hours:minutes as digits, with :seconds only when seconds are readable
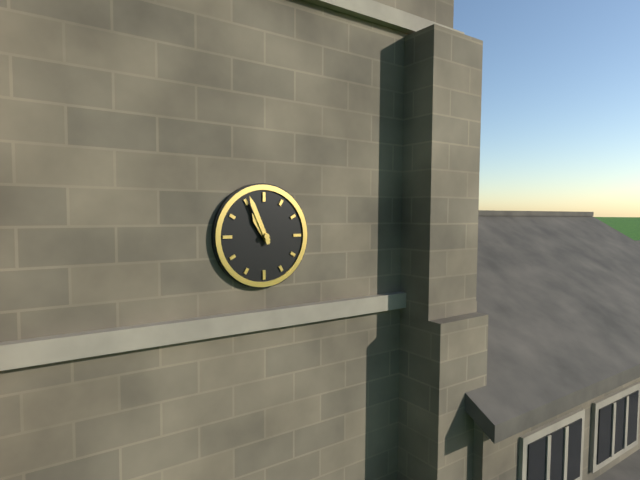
10:56
